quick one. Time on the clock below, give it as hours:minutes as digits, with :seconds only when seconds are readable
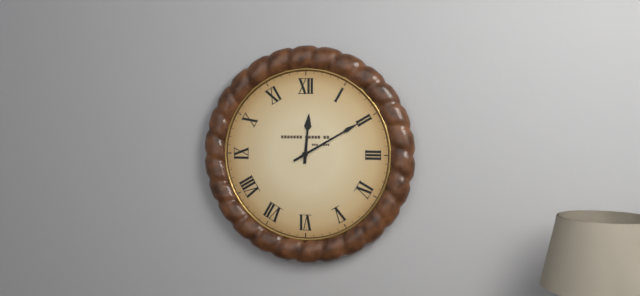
12:10
